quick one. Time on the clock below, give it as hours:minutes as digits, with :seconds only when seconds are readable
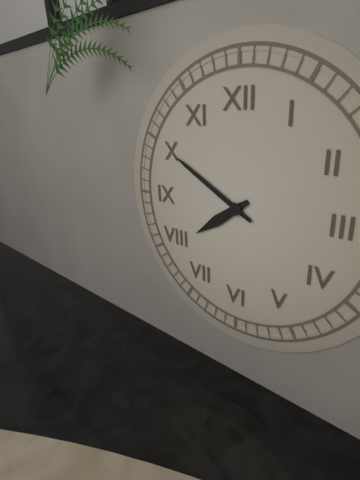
7:50
